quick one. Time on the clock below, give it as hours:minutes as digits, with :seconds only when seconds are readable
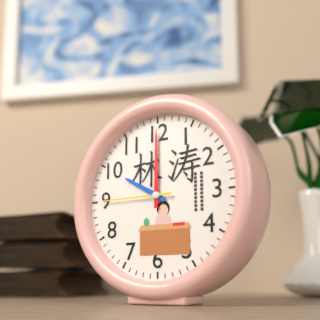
10:00:45
